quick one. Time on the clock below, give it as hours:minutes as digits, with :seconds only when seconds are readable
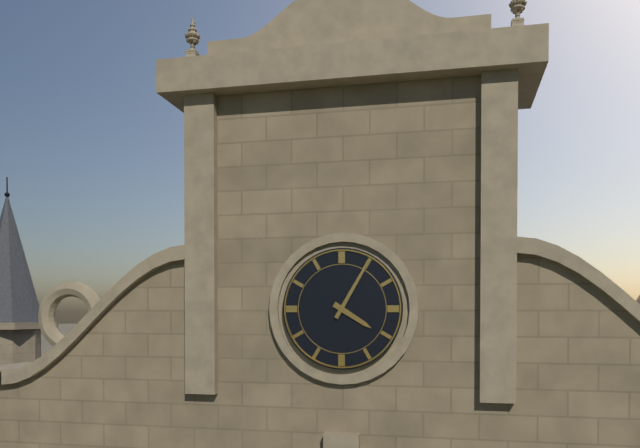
4:05
